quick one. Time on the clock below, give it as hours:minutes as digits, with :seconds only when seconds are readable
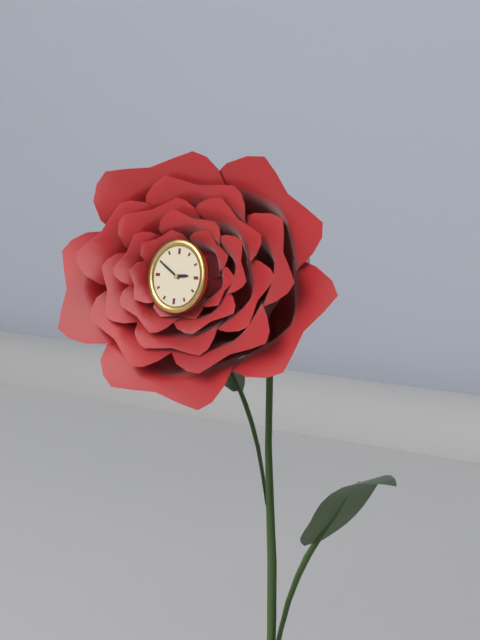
2:50
